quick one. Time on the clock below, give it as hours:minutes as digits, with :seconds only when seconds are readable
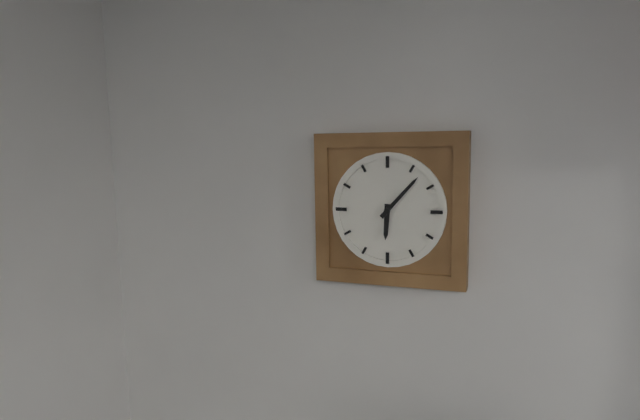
6:07
